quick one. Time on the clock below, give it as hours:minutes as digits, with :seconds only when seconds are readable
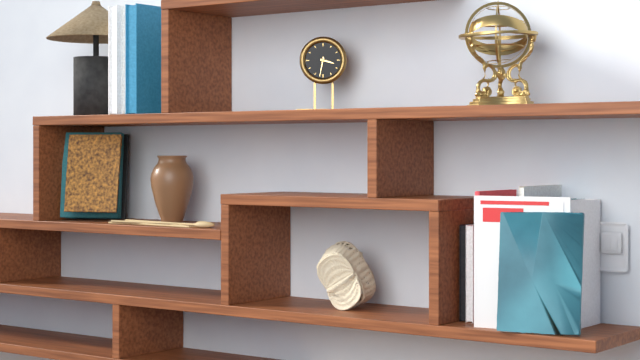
3:32
